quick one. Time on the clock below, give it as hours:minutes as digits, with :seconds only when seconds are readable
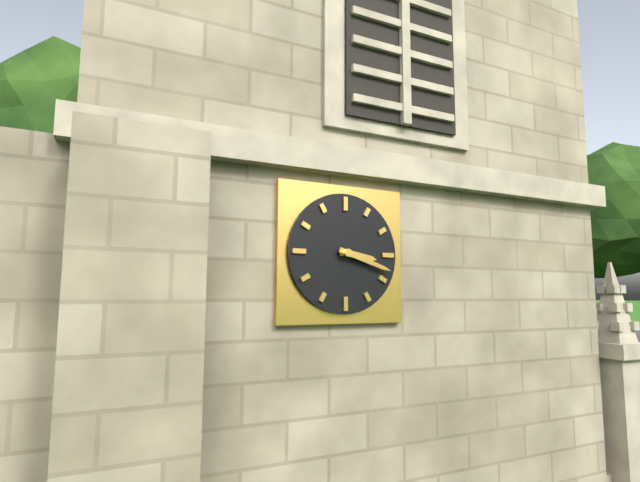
3:18
